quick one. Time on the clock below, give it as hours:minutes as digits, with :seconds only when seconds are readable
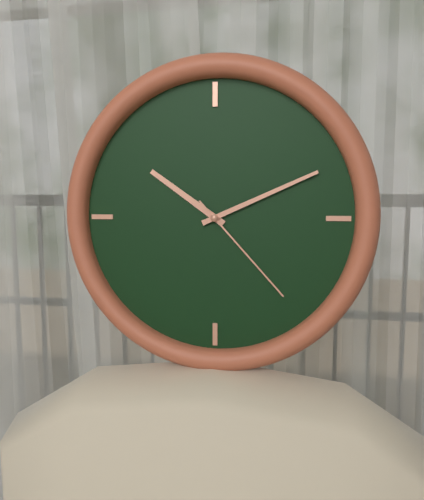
10:11:23
